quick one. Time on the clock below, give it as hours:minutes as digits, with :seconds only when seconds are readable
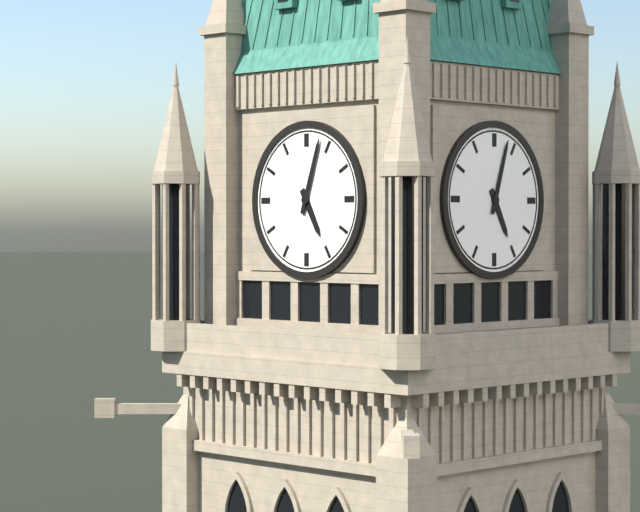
5:03
